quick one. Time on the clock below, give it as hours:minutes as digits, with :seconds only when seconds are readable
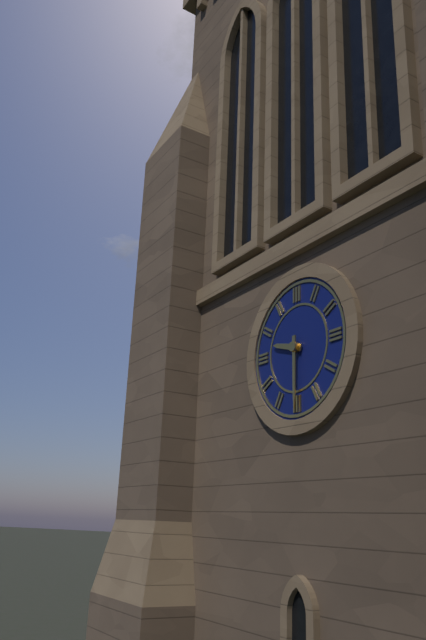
9:30
